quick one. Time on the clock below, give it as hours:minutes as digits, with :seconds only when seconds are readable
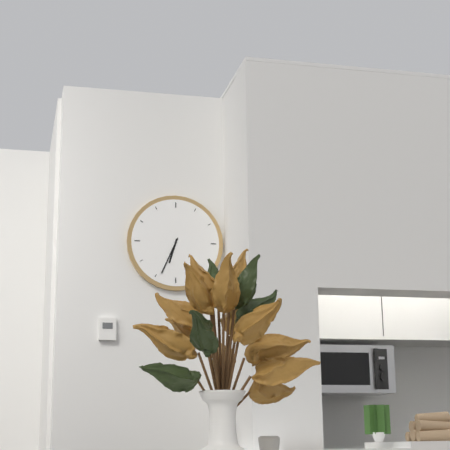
6:34
